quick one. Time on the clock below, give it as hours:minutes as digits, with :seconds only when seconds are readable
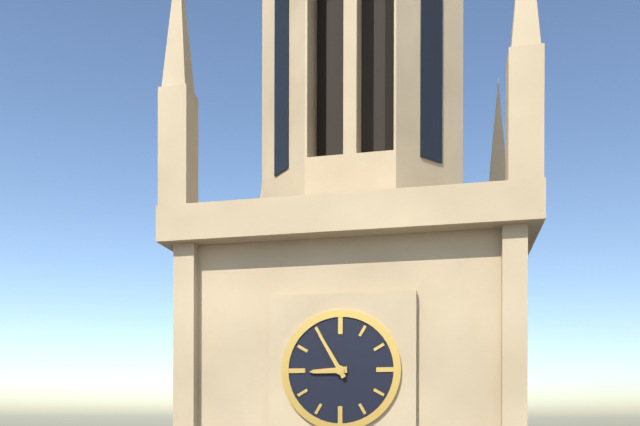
8:55
